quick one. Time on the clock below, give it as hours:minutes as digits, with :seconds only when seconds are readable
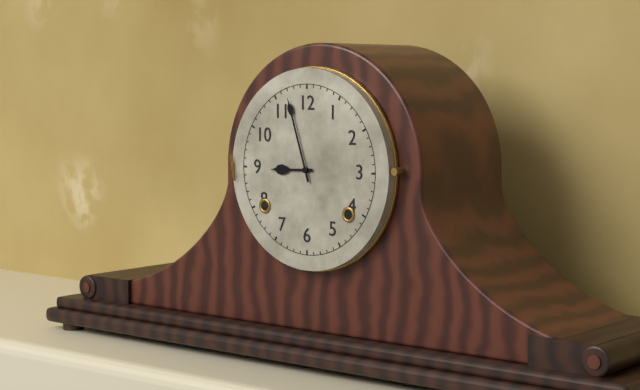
8:57
